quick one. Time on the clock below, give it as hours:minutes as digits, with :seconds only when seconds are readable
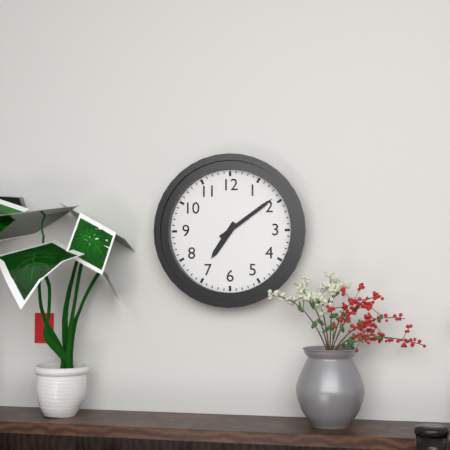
7:09
